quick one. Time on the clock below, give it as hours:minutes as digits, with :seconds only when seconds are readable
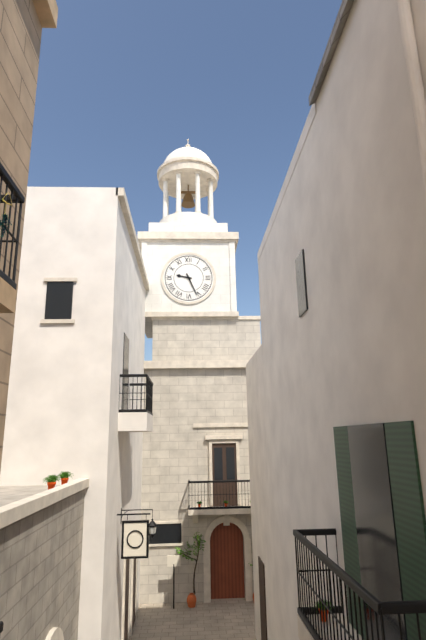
9:26
